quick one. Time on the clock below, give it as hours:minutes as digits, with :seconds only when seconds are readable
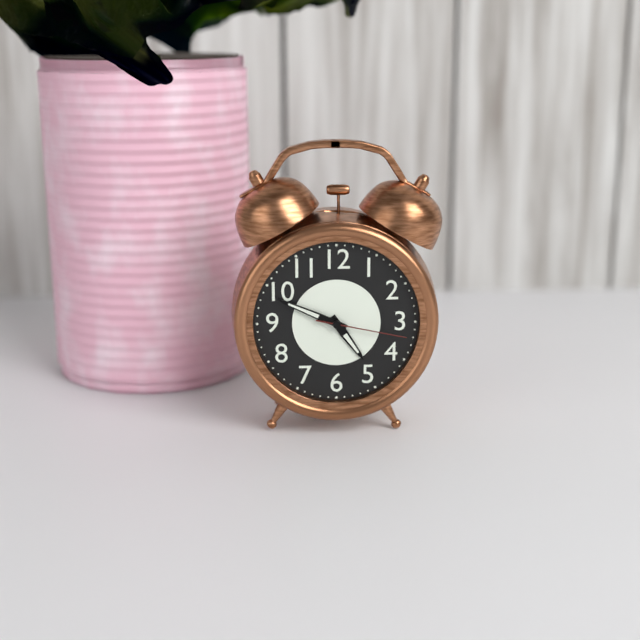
4:49:17
